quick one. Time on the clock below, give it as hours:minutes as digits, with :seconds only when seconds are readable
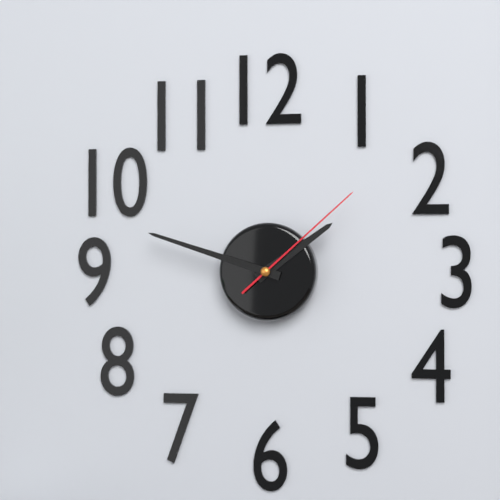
1:48:08
